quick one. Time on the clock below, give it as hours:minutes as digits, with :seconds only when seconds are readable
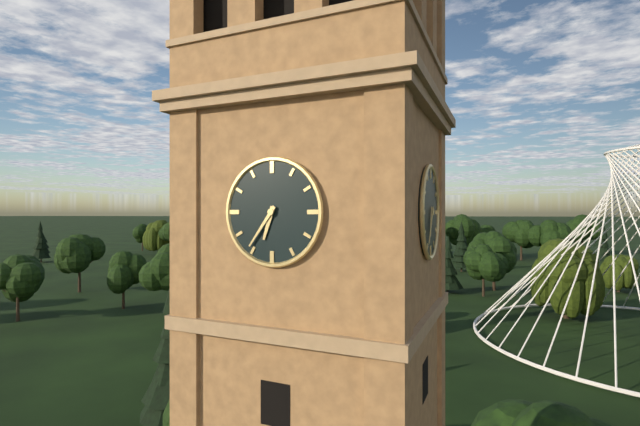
6:36
